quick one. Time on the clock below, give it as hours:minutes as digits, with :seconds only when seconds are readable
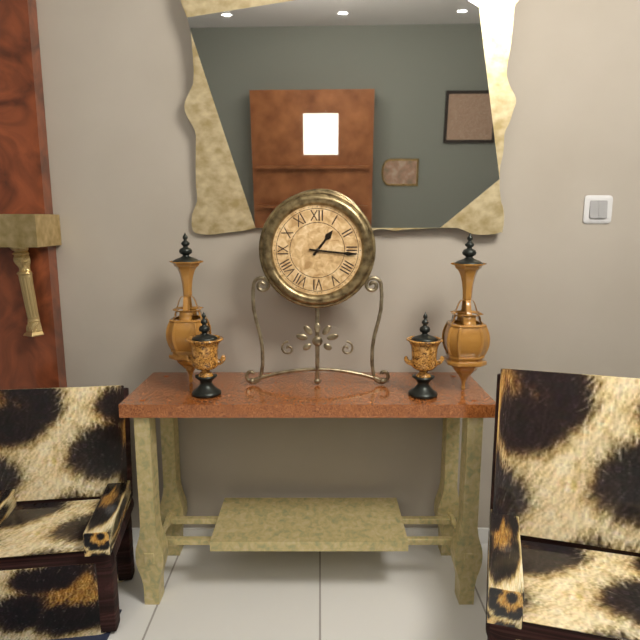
1:16
